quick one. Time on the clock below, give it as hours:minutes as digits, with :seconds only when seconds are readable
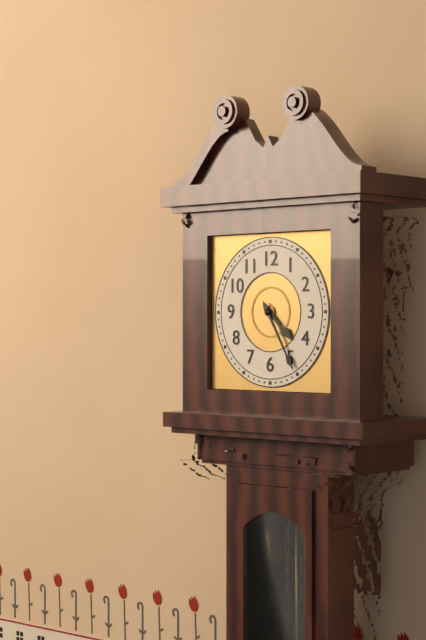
4:25
